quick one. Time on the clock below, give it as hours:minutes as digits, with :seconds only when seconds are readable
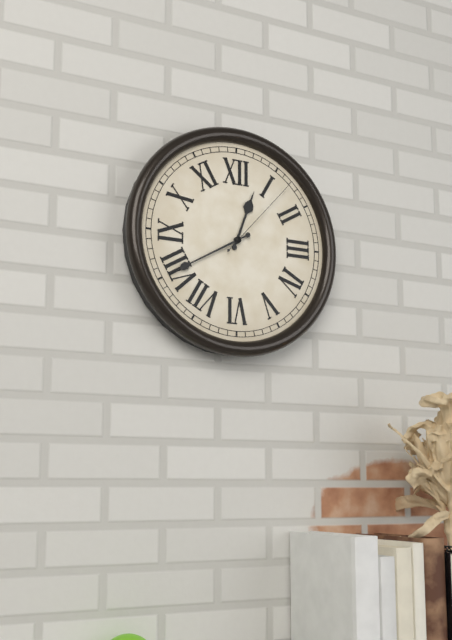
12:40:07
